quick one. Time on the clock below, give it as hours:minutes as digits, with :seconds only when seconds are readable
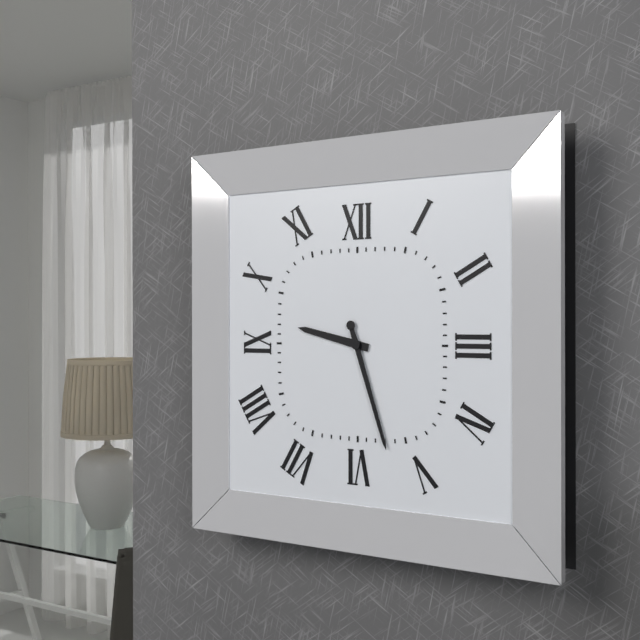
9:27
